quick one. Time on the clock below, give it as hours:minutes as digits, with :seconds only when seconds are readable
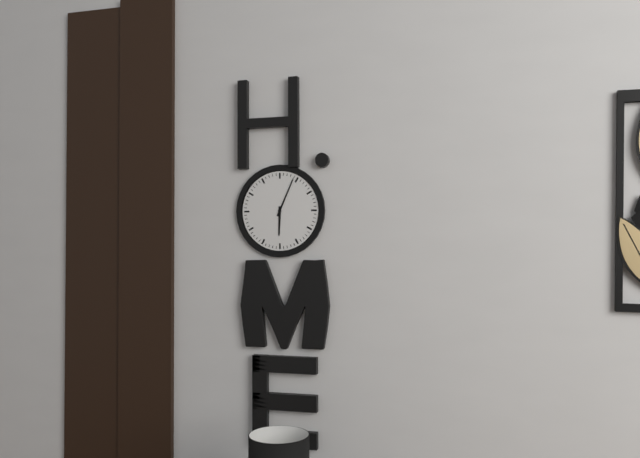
6:04
